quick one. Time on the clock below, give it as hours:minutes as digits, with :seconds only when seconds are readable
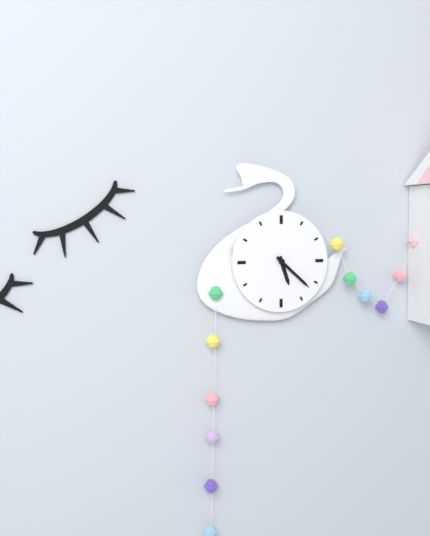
5:22
